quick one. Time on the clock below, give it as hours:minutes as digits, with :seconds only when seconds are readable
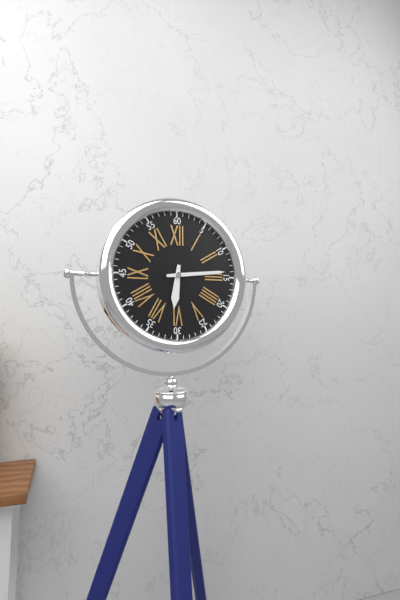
6:14
